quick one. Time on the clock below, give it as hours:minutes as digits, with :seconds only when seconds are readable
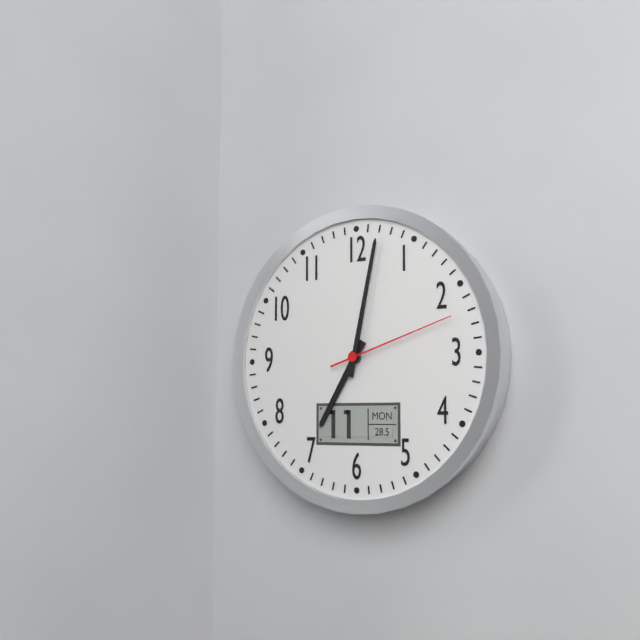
7:02:12
